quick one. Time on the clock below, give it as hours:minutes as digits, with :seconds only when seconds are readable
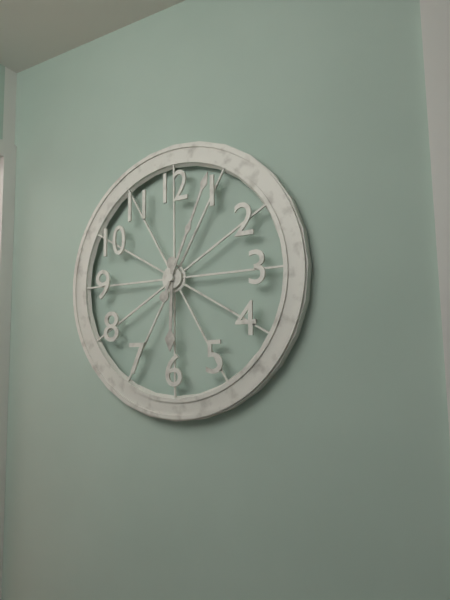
6:04
